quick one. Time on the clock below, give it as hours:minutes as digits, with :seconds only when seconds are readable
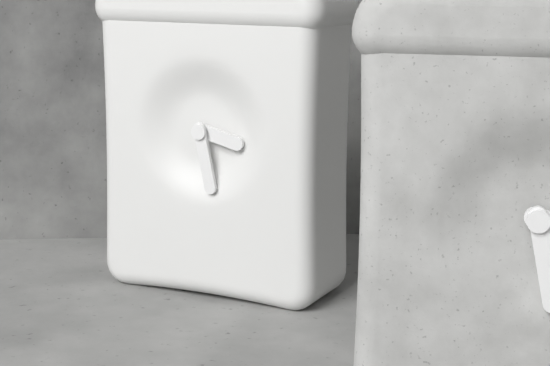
3:28
